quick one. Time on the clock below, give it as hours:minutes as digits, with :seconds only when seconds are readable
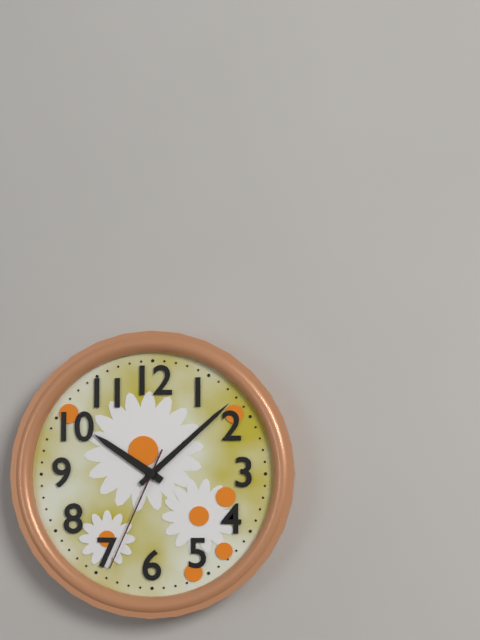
10:08:34
